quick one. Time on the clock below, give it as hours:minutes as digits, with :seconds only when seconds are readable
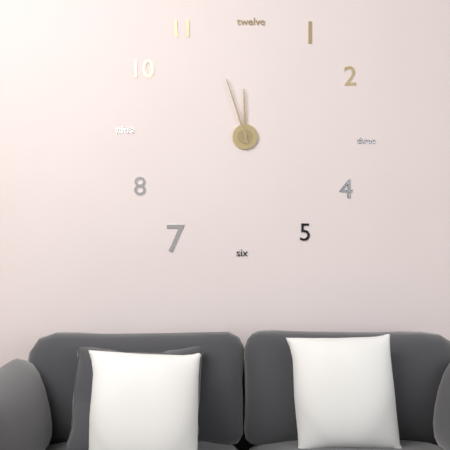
11:57
